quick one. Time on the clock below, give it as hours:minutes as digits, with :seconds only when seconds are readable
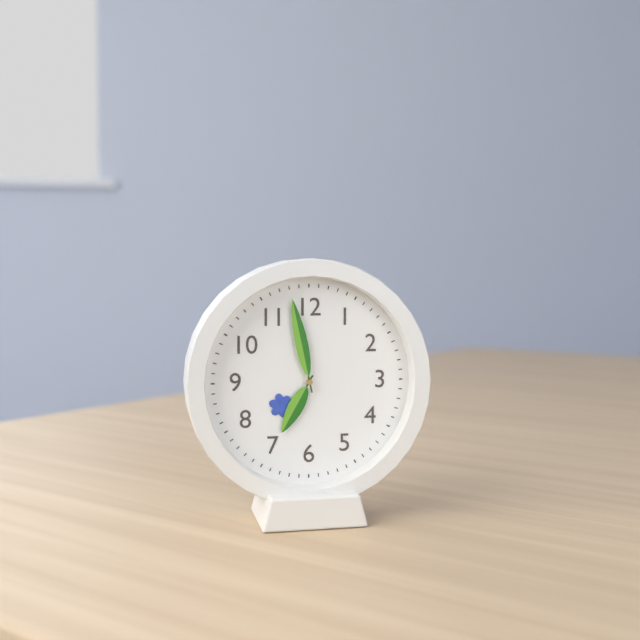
6:58
